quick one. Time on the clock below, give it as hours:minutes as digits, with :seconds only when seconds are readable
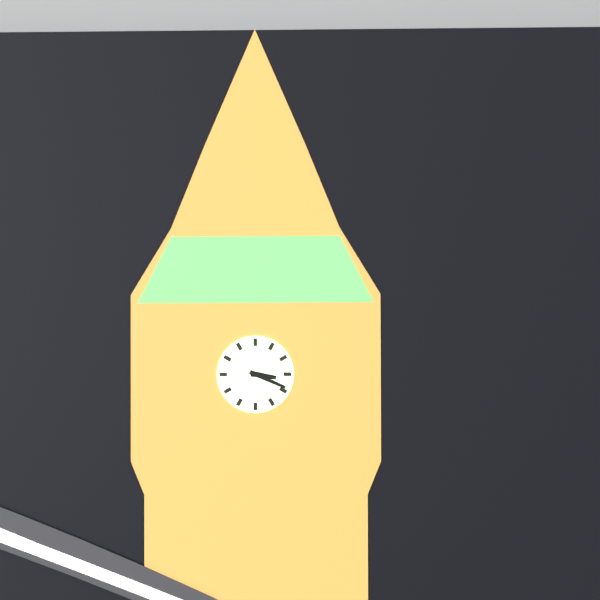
3:19
